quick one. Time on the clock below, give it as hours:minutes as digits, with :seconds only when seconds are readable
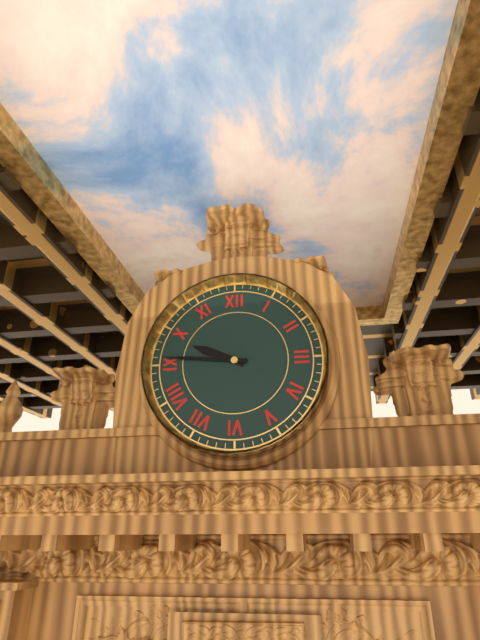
9:46
